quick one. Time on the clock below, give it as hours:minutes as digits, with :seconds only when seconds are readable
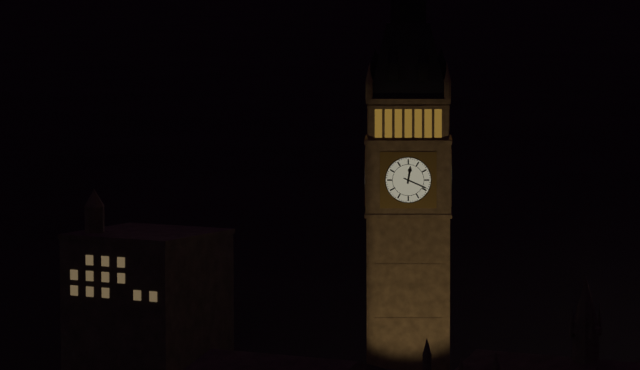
12:19
